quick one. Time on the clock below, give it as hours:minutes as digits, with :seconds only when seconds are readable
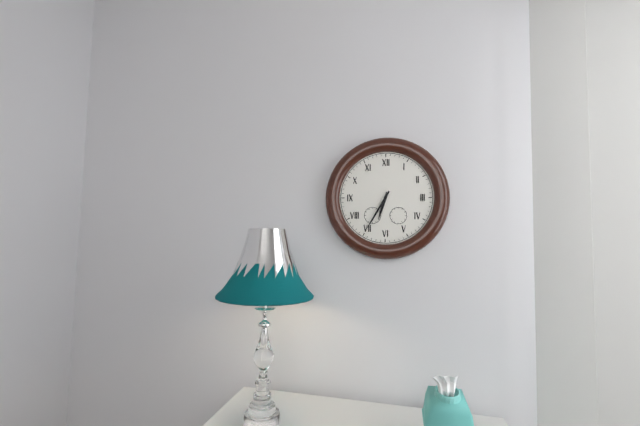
6:35
